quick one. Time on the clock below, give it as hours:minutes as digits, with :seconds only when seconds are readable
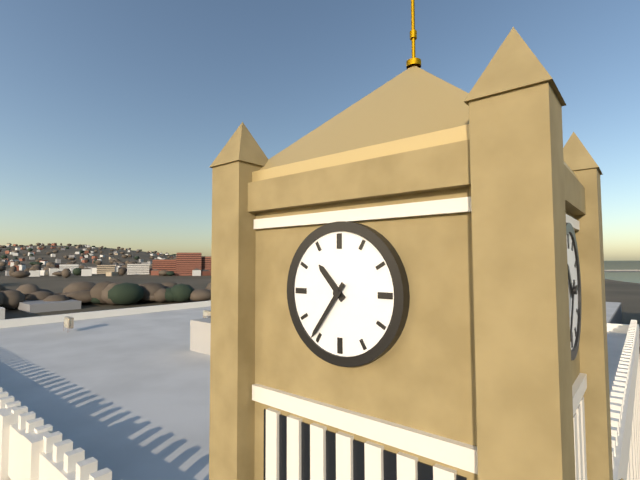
10:36
